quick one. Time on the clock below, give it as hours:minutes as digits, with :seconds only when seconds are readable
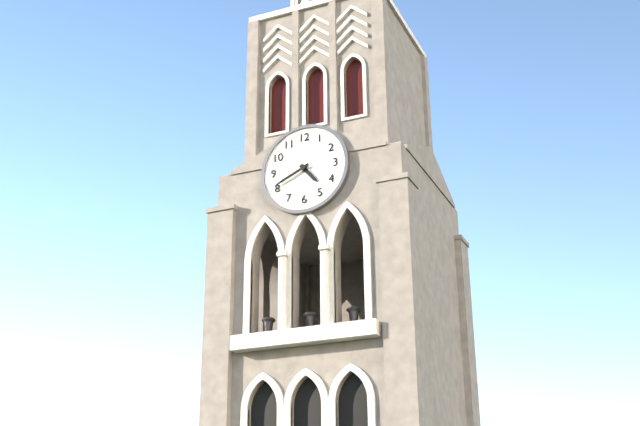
4:41
